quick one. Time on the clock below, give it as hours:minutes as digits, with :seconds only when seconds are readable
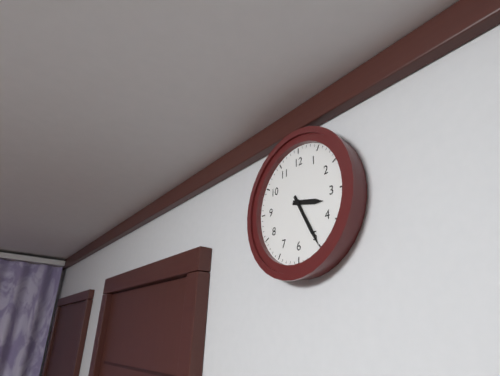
3:25
